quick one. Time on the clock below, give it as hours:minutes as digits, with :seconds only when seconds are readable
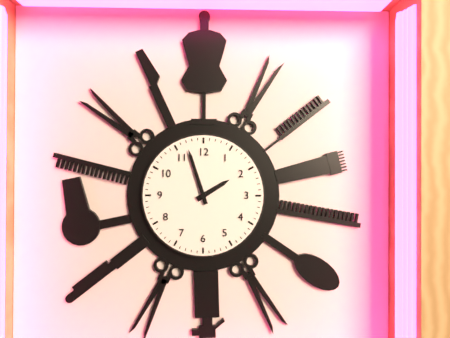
1:57
